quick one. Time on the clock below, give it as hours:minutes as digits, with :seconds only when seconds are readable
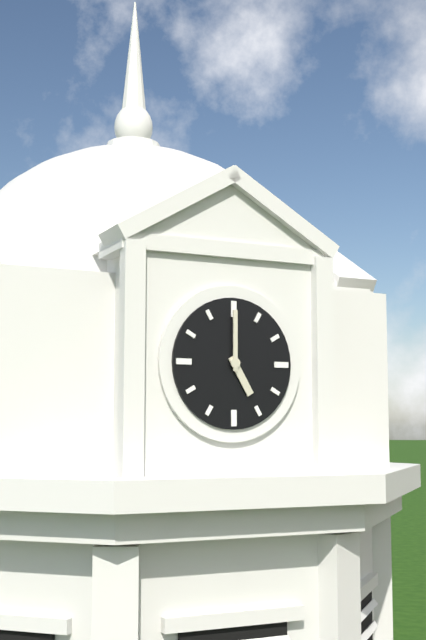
5:00
